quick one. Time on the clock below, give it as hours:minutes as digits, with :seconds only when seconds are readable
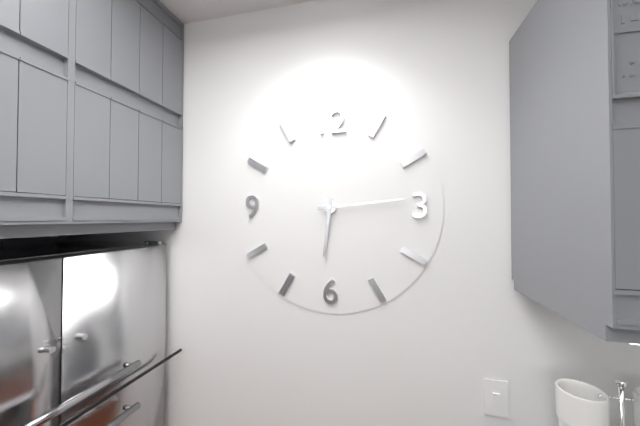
6:14
